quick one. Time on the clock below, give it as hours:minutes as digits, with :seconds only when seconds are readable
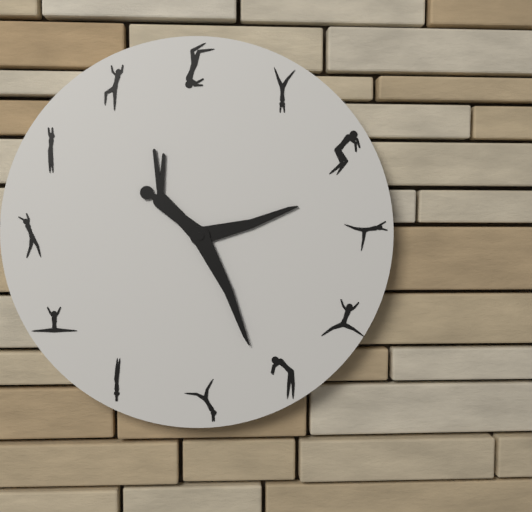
2:26
